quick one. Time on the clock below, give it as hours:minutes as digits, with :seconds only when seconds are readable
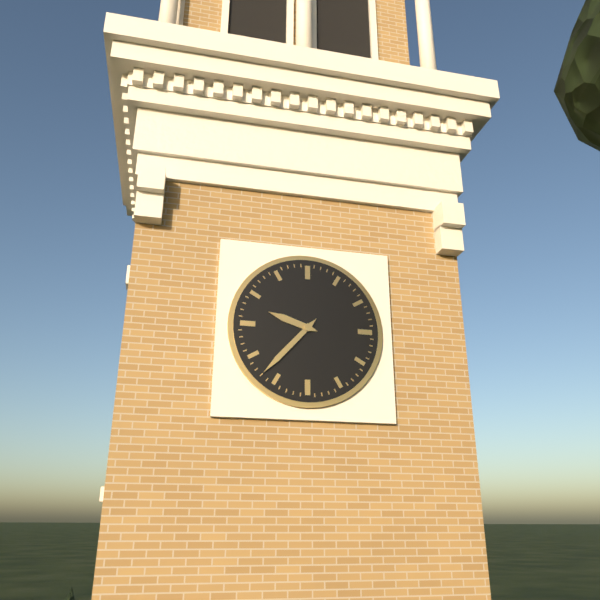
9:37
